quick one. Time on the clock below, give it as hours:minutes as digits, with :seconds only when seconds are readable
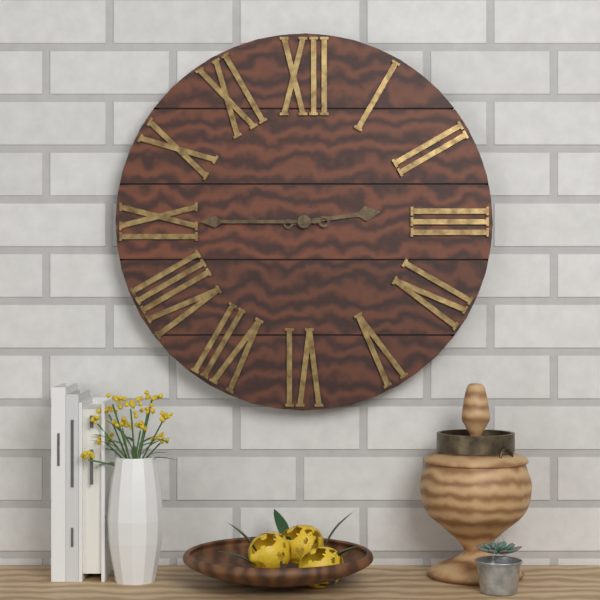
2:45
